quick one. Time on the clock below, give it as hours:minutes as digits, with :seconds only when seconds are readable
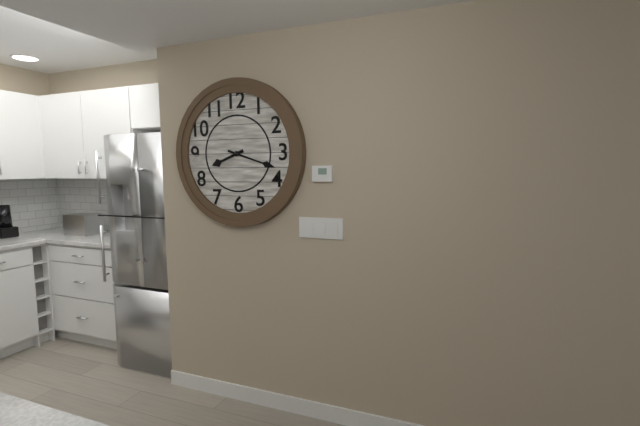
8:18
